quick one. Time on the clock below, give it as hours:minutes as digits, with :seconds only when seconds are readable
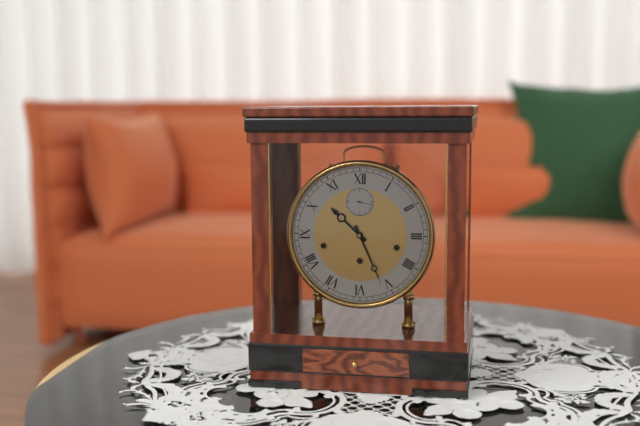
10:26
